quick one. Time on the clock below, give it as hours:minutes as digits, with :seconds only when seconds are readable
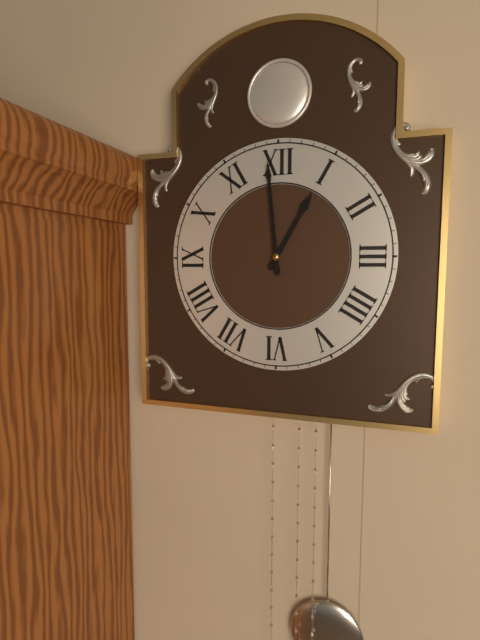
12:59
